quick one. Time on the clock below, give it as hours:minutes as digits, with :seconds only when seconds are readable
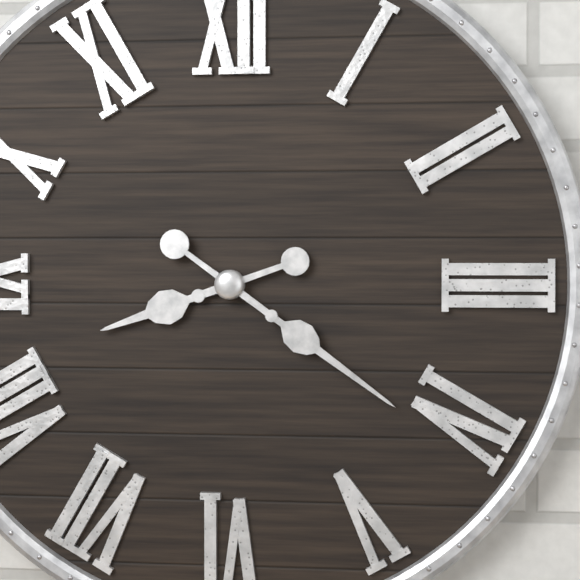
8:21
